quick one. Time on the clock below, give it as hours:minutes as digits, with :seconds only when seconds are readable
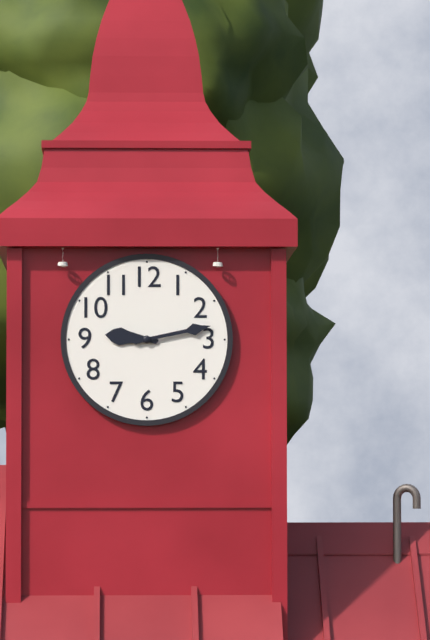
9:13
